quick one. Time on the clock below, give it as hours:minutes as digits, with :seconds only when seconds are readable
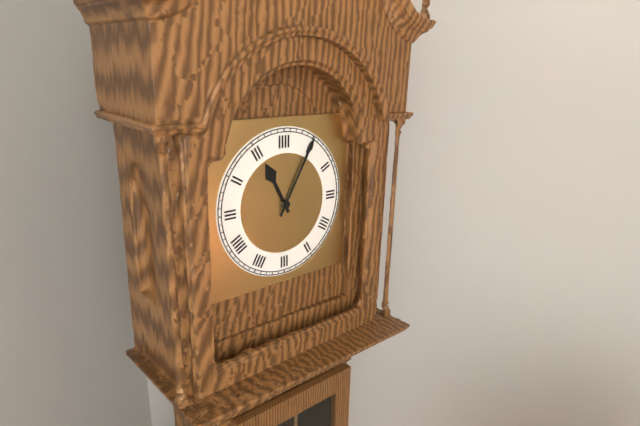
11:05
